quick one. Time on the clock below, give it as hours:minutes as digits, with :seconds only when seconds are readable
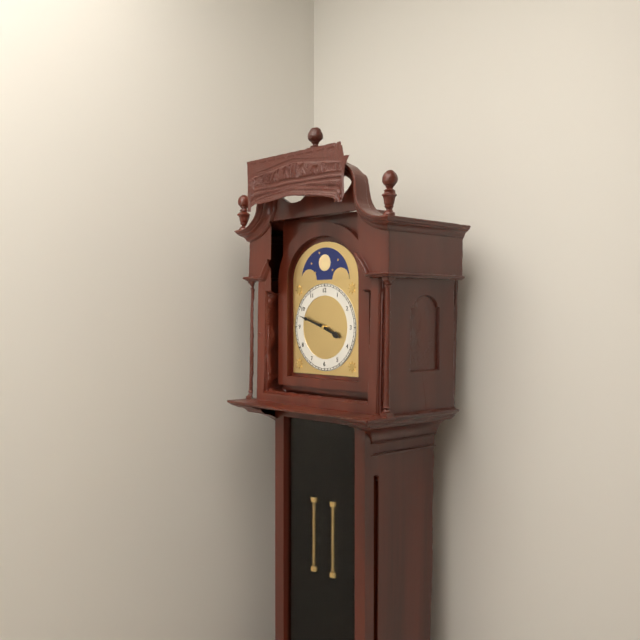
3:48
